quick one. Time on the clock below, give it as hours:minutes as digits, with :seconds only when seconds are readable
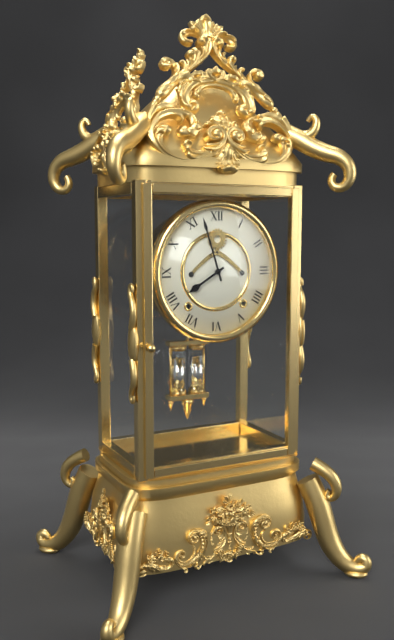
7:57
